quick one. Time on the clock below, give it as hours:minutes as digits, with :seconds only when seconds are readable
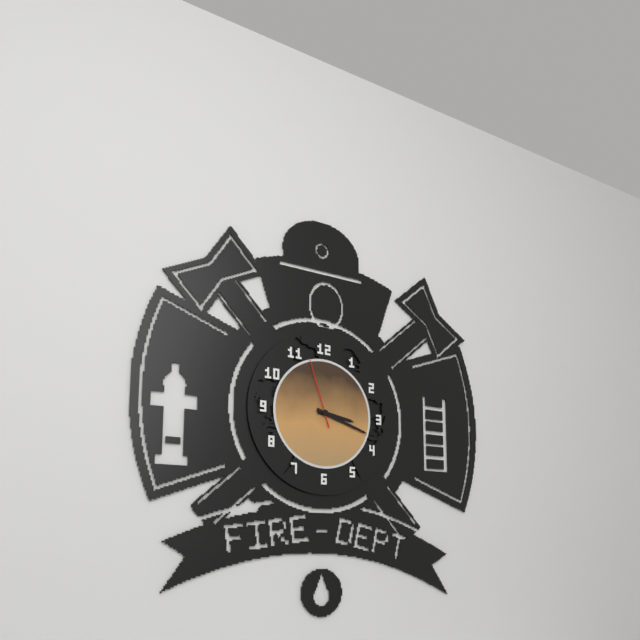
3:18:57
